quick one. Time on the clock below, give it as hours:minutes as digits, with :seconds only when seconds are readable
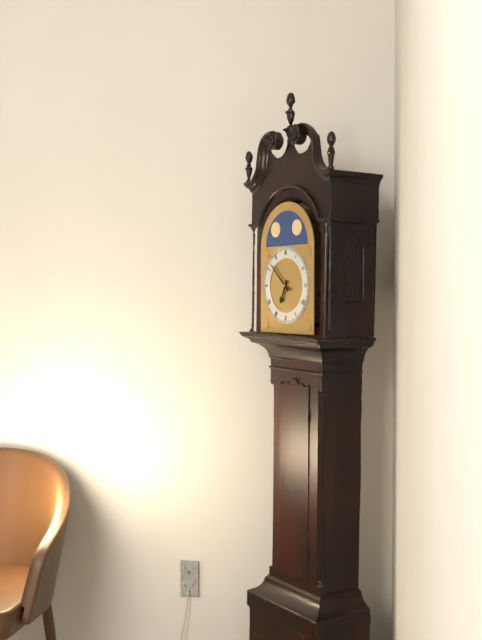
6:52
